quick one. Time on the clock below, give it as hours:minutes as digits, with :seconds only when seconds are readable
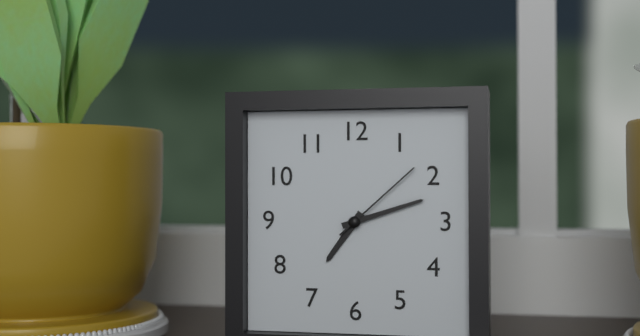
7:12:08
